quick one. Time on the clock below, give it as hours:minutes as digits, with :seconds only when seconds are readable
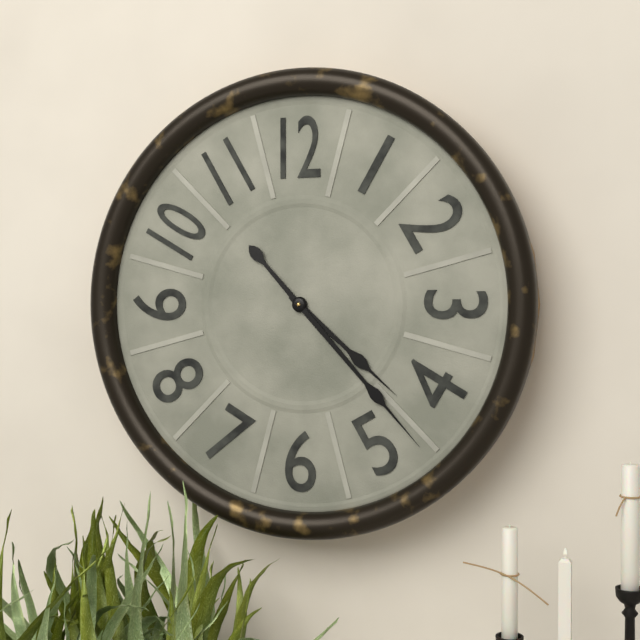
4:23
